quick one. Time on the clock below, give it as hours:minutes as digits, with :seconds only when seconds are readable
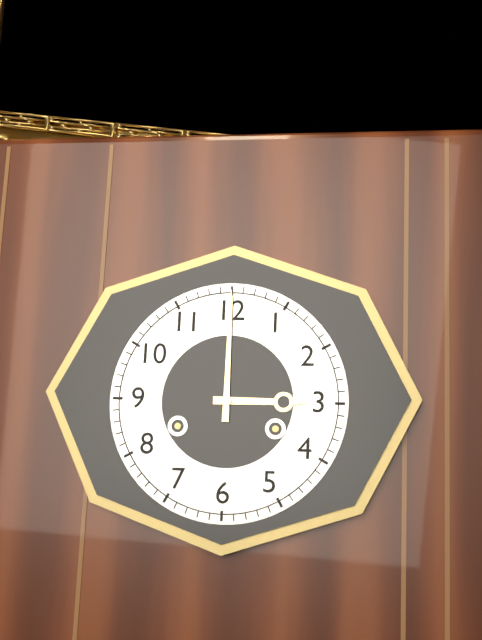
3:00
